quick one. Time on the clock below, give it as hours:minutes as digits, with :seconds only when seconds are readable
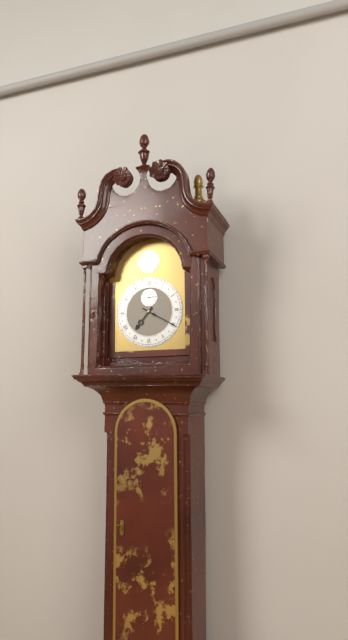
7:20
